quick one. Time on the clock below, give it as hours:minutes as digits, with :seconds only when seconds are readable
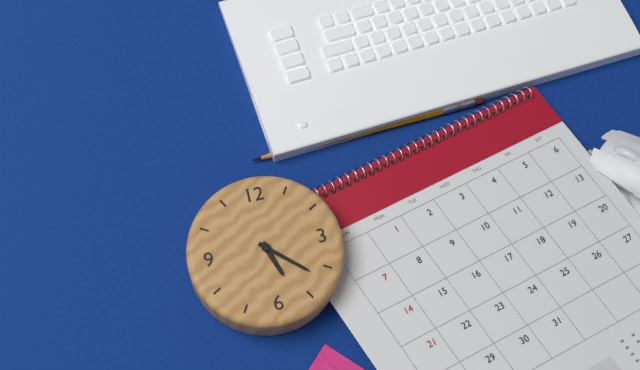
5:22
